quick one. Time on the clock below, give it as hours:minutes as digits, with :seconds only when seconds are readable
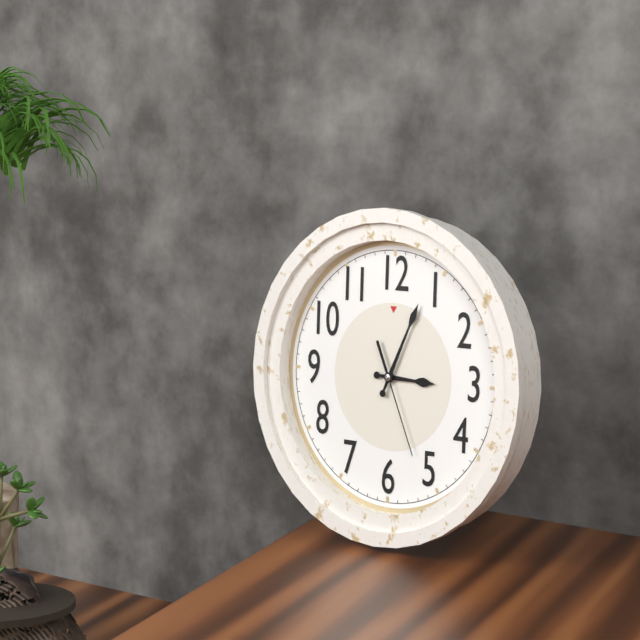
3:04:26
